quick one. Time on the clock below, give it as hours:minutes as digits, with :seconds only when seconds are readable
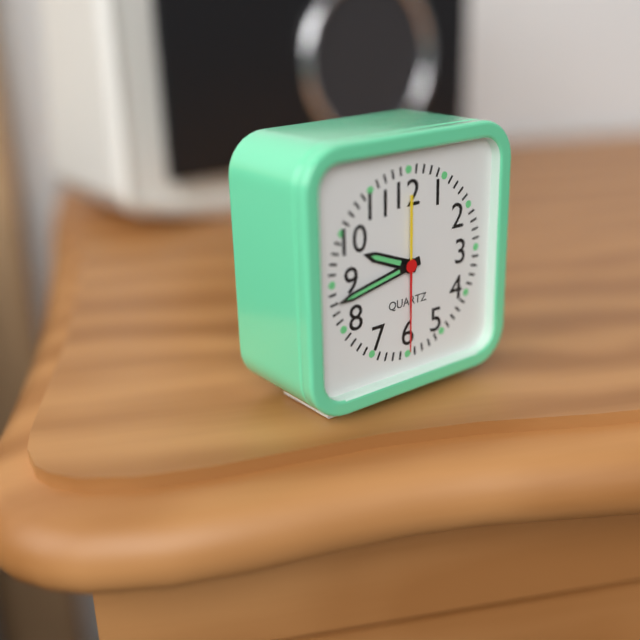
9:43:30
